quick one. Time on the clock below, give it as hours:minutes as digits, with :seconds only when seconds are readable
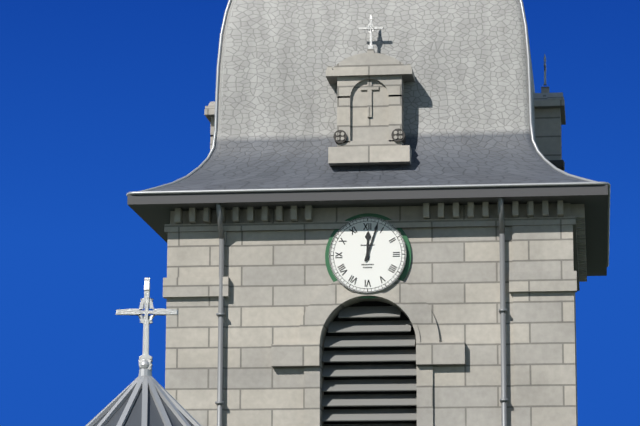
12:03
